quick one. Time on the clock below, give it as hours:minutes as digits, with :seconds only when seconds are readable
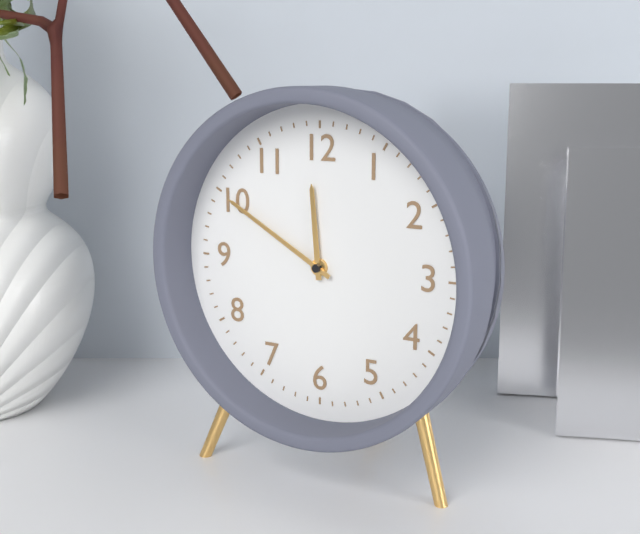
11:50
